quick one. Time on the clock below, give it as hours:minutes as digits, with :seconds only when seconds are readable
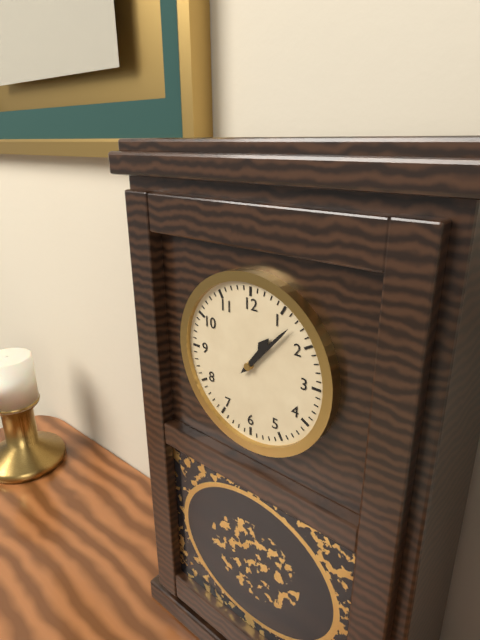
1:07
